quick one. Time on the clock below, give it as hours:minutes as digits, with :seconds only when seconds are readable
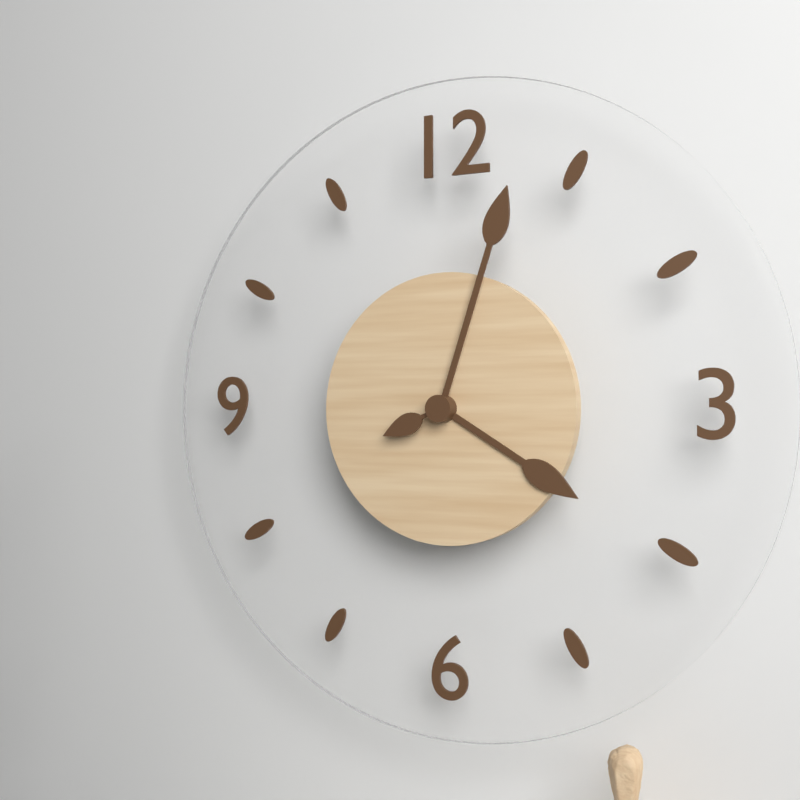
4:03:41
